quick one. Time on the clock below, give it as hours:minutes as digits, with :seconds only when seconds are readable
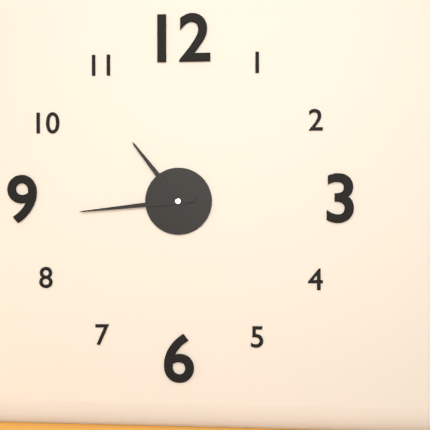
10:44
